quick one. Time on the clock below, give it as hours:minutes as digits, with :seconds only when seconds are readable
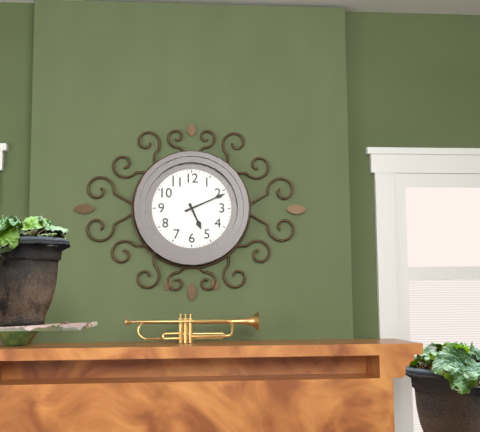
5:11
